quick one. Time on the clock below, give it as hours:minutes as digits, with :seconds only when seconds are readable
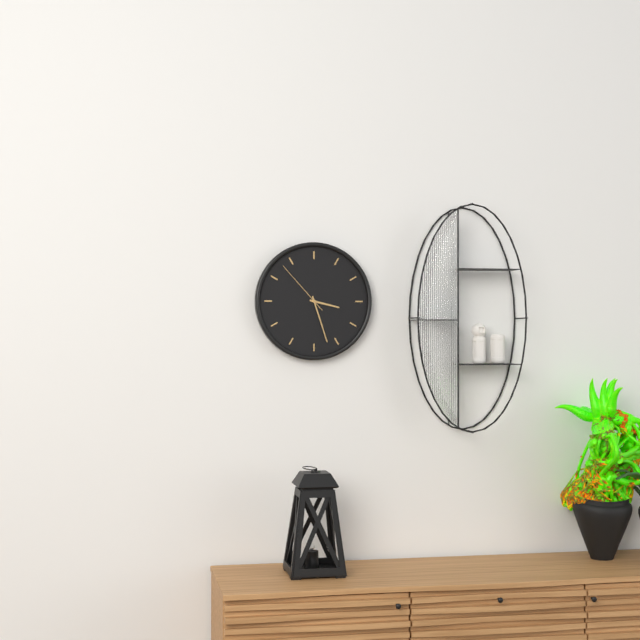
3:27:53
